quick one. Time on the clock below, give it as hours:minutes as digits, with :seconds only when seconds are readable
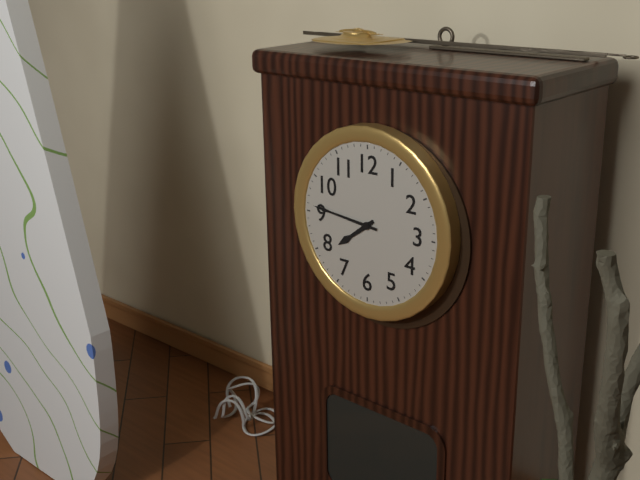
7:46
